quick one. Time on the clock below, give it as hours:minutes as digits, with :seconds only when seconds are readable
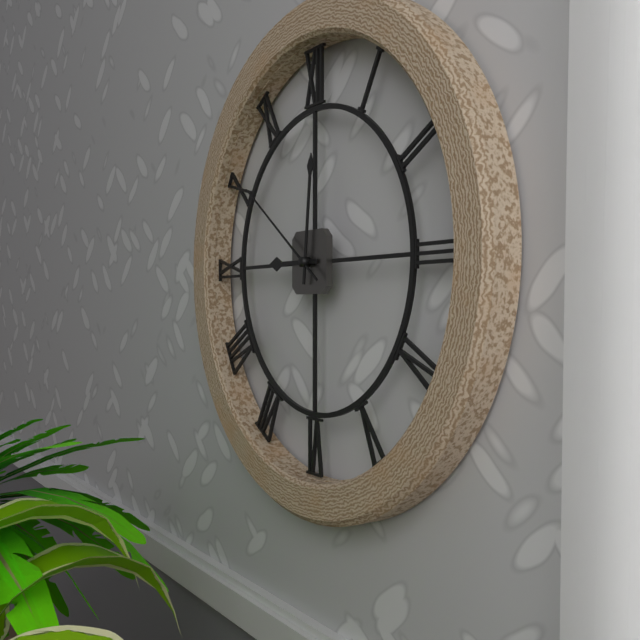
9:01:51
